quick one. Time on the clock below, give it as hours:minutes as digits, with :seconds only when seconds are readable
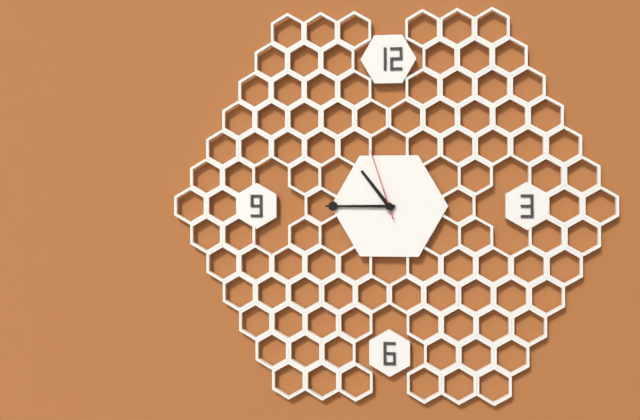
10:45:57
